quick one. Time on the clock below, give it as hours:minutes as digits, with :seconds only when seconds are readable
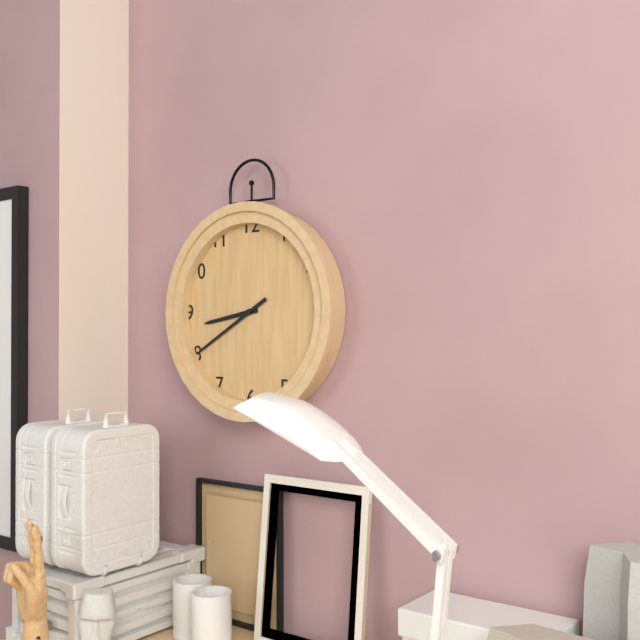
8:40
